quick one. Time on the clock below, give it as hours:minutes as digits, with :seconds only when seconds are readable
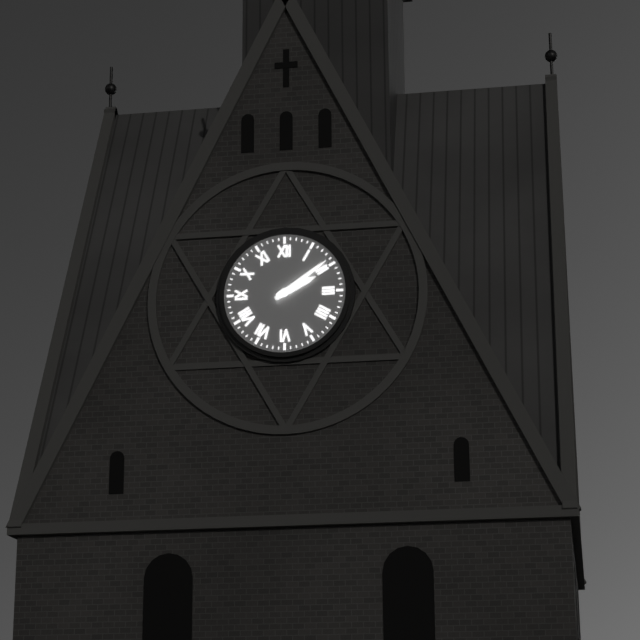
2:09
